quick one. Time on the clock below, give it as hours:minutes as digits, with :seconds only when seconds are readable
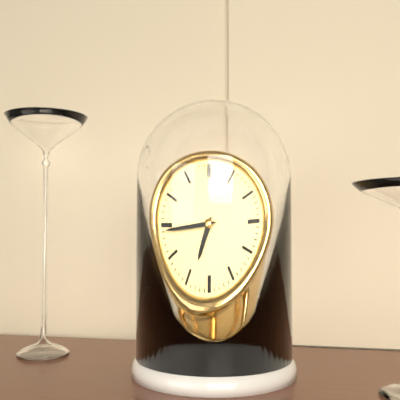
6:44
